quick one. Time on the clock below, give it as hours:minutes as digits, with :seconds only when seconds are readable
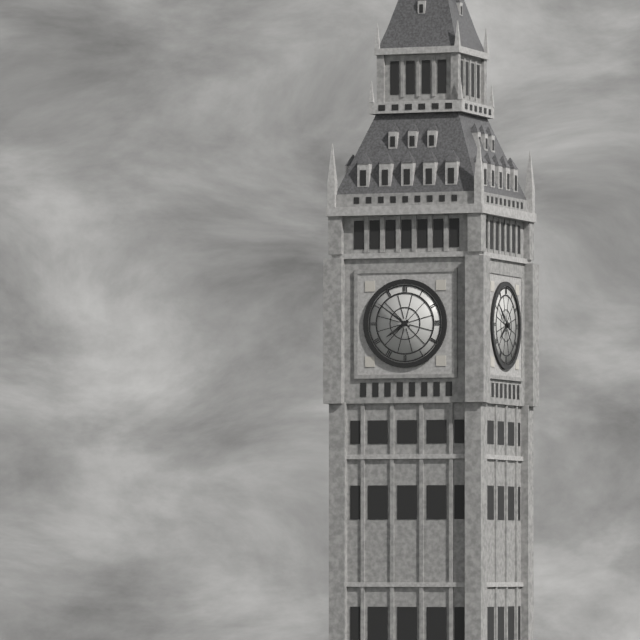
7:51
